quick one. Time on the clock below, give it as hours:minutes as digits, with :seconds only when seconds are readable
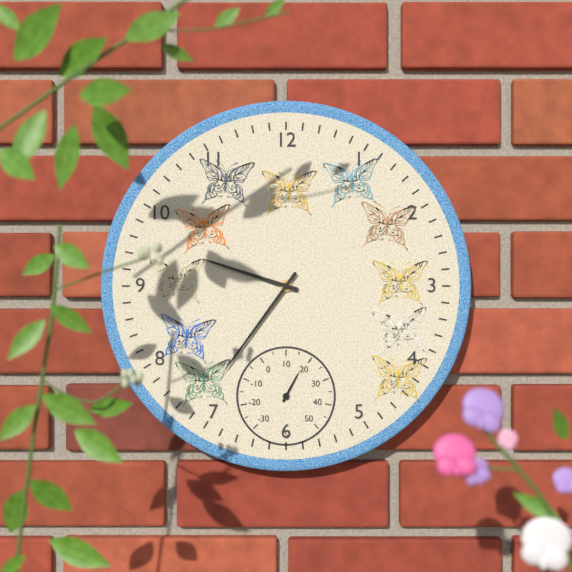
9:36
